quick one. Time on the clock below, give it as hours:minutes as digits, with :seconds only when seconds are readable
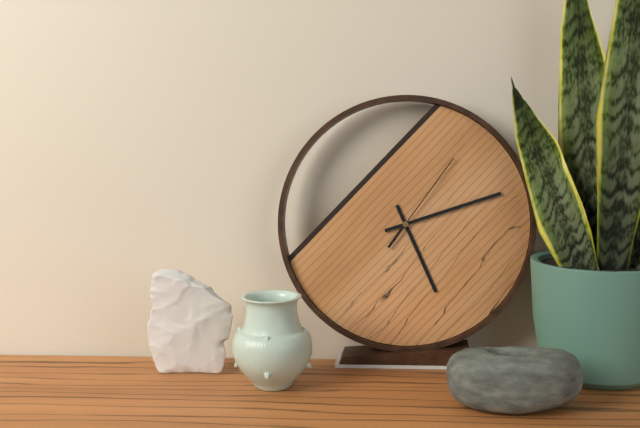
5:12:06
